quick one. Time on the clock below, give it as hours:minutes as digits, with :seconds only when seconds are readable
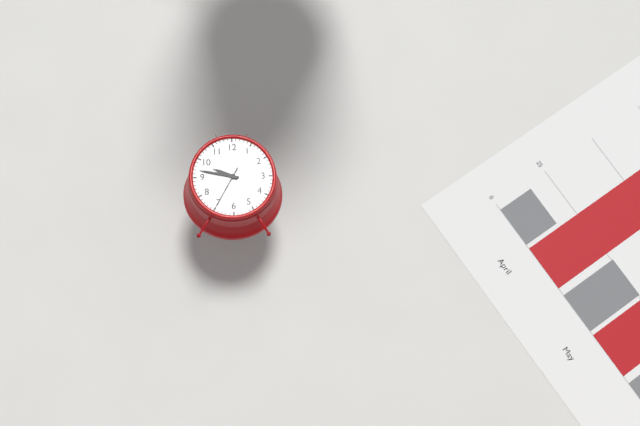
9:47
